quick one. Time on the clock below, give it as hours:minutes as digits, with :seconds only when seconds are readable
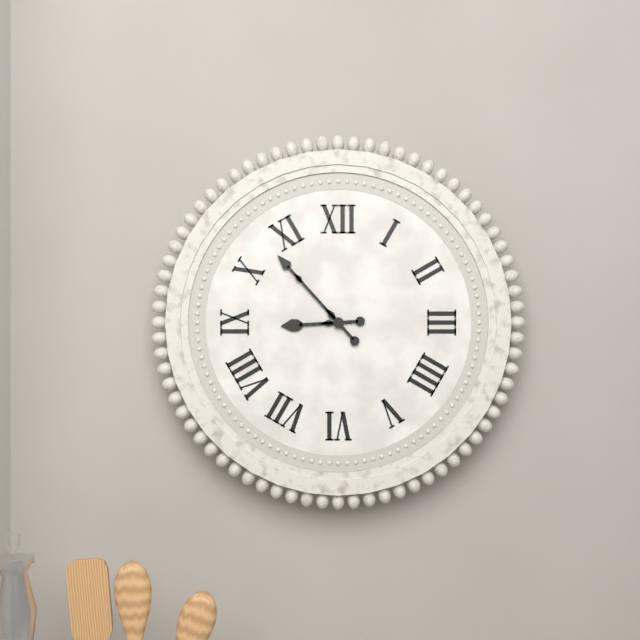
8:53
